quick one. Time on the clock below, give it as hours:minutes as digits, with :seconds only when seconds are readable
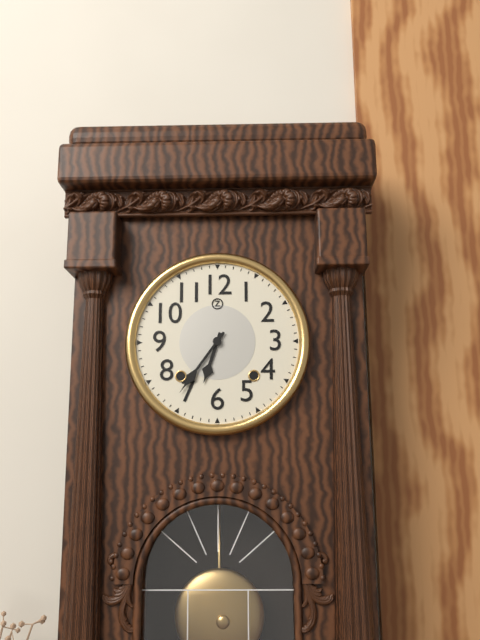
6:36
